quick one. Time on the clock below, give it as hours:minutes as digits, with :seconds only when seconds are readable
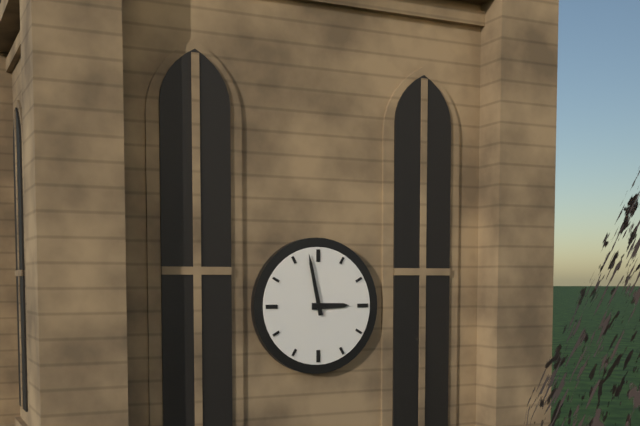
2:58
